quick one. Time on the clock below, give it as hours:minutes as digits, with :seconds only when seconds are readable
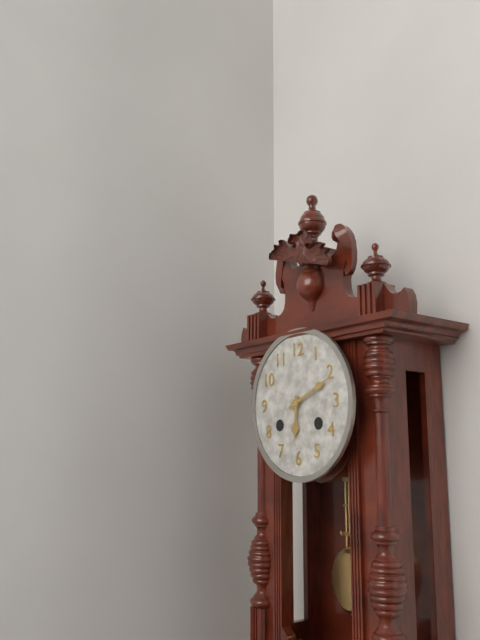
6:11
